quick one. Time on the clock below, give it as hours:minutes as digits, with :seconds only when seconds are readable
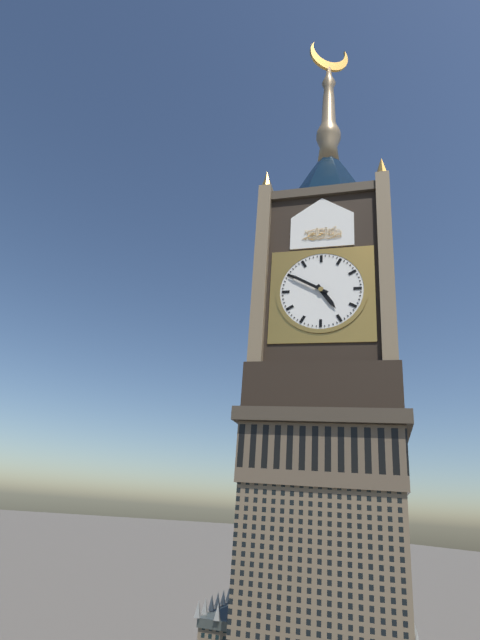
4:50
